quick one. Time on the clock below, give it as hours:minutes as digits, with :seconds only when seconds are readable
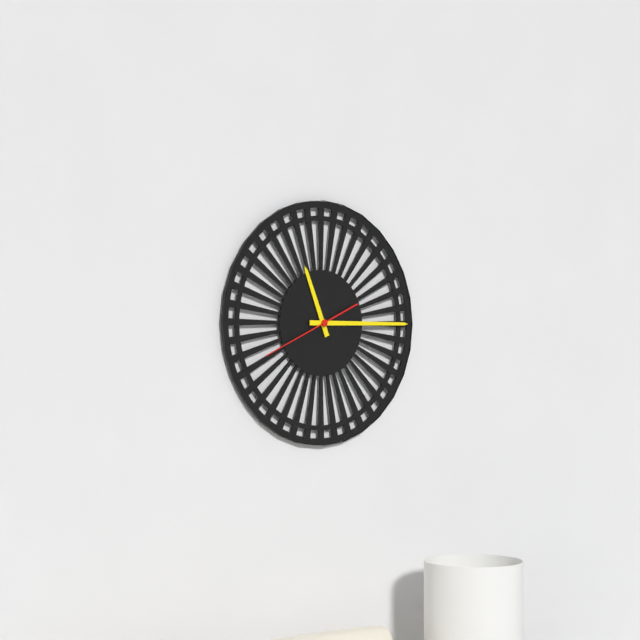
11:15:41
